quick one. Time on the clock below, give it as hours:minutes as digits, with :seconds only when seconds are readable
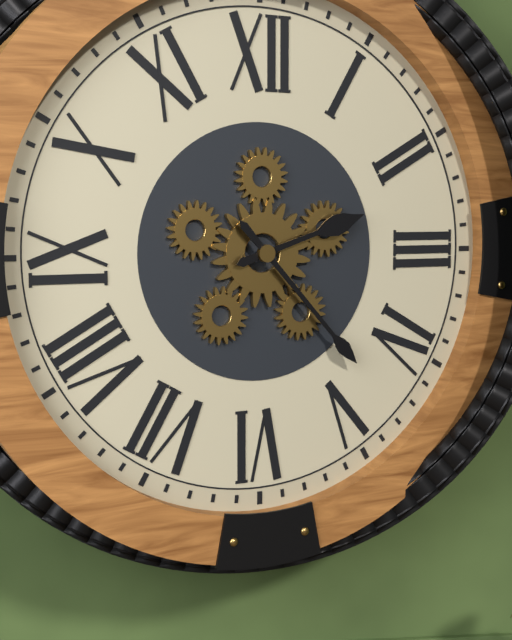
2:23
